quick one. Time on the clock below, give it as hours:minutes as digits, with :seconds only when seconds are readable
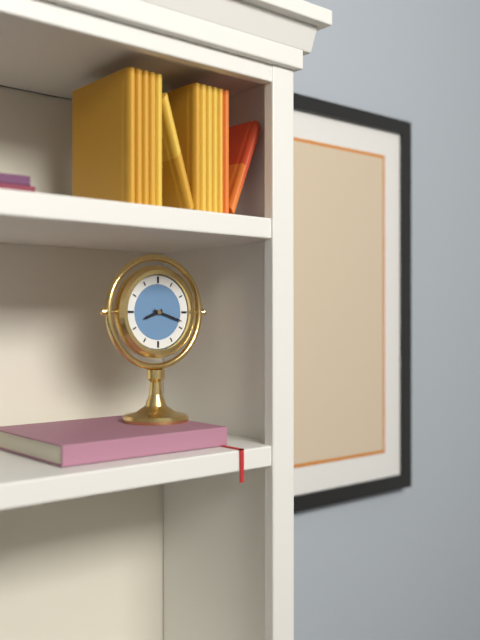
8:18
